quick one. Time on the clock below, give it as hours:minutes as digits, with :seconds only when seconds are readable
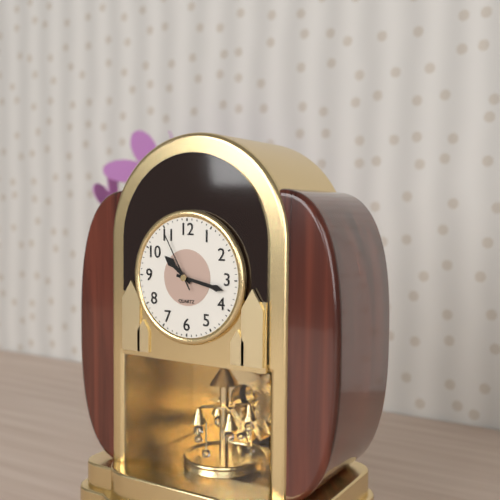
10:17:55
